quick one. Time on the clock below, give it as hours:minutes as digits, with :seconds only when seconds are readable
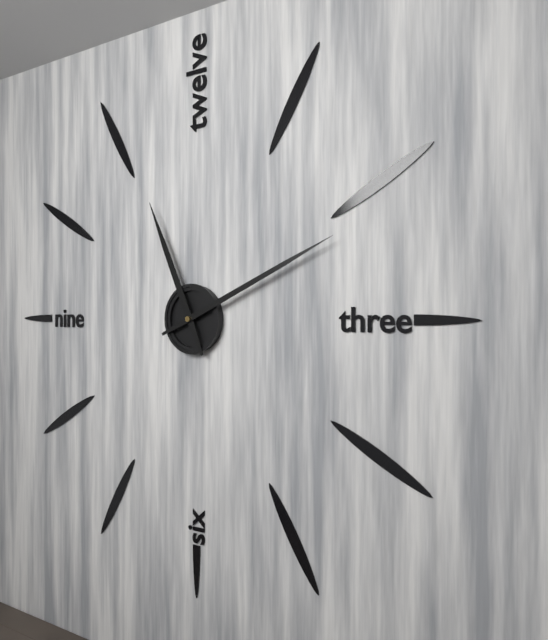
11:11
